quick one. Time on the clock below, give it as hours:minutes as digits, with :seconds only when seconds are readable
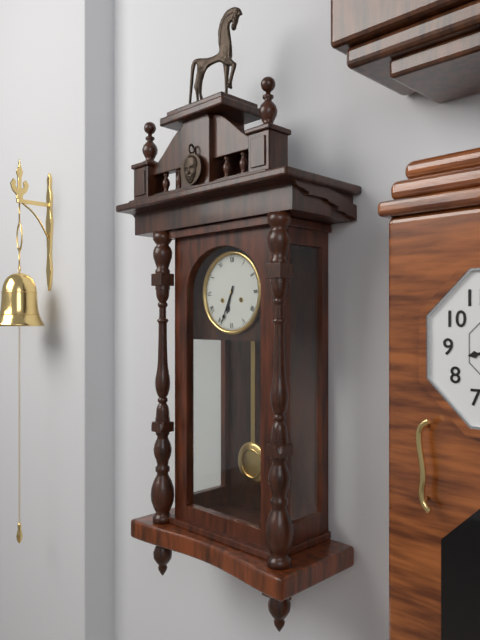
6:34
